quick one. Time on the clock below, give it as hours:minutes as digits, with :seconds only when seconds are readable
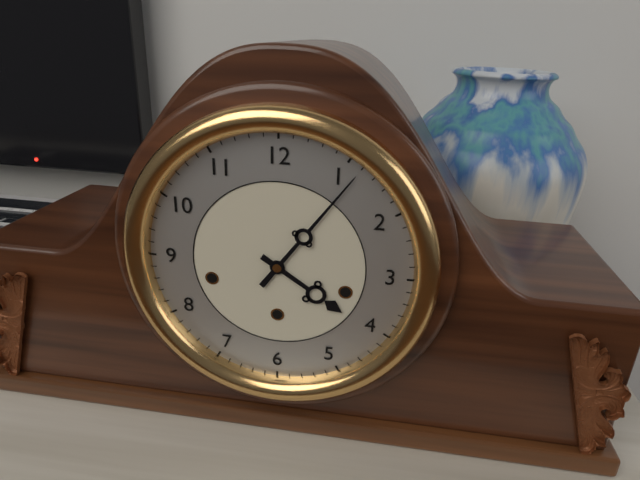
4:06
